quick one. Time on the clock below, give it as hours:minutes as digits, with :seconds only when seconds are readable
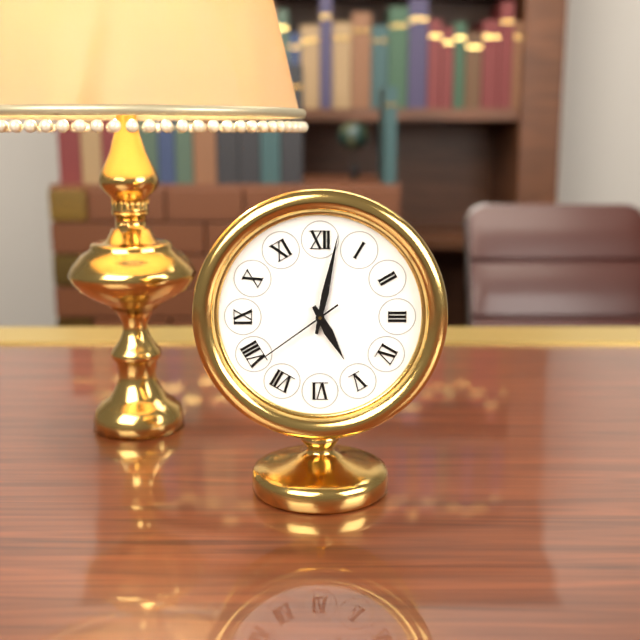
5:02:39
